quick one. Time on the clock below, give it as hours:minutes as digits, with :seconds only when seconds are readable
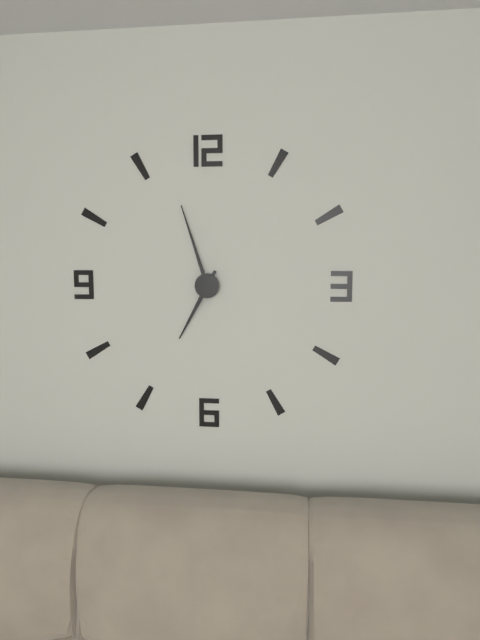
6:57
